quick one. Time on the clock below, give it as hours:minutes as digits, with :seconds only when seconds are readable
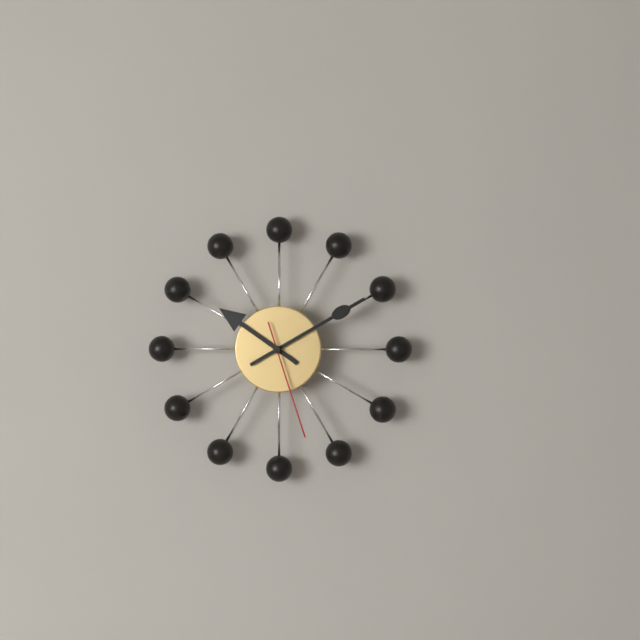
10:10:27
